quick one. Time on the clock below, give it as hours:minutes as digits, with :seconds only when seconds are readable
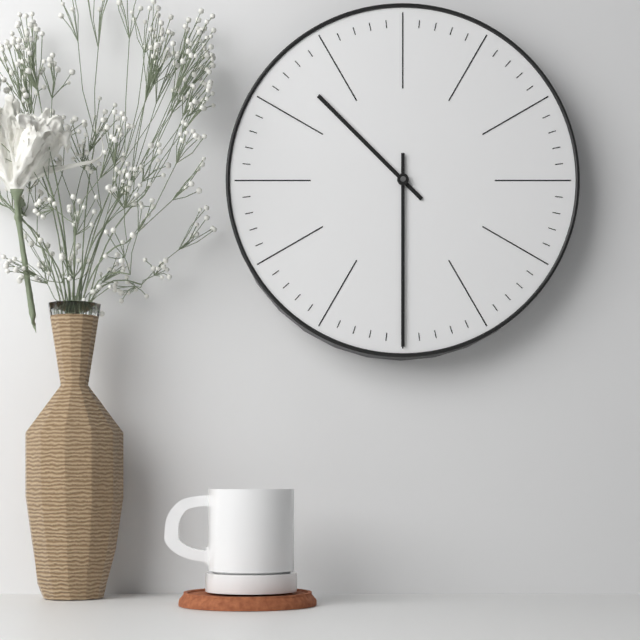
10:30
